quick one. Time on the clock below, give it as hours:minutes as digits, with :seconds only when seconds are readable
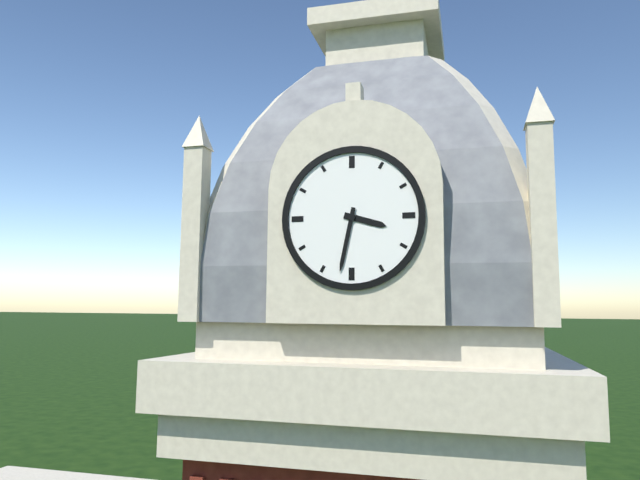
3:32
